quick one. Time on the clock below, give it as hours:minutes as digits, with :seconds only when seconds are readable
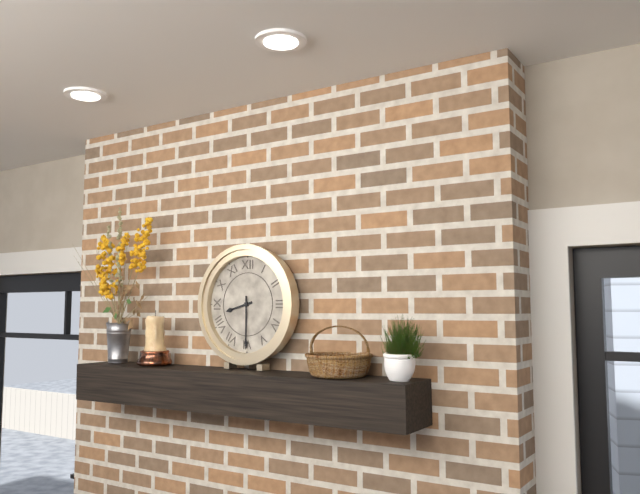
8:30
